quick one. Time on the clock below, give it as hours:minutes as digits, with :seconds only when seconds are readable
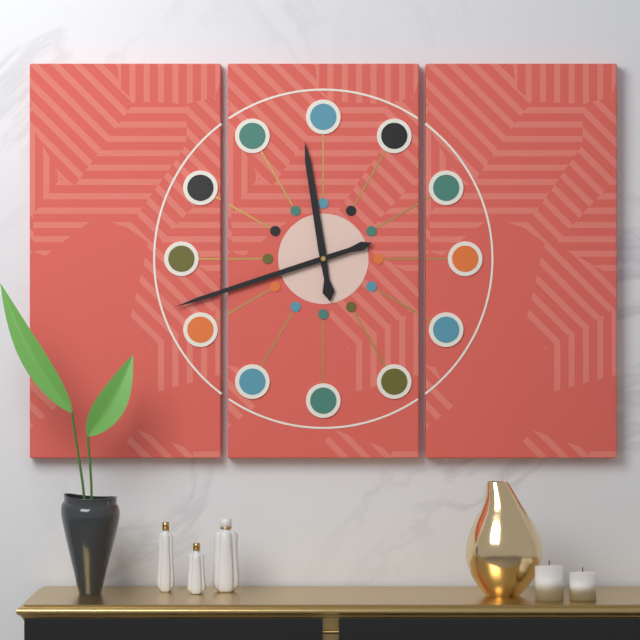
11:42
